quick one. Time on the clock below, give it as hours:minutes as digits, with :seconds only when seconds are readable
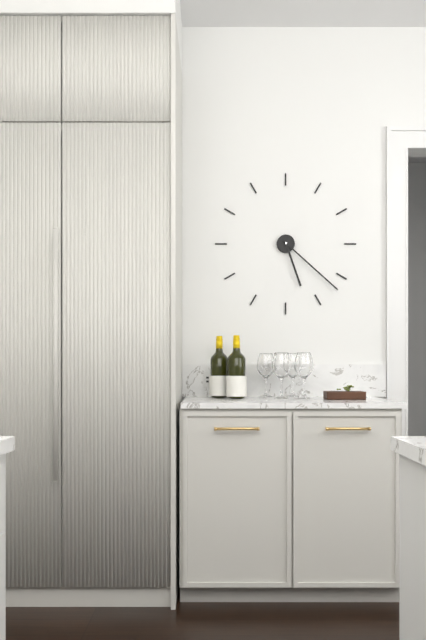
5:22
